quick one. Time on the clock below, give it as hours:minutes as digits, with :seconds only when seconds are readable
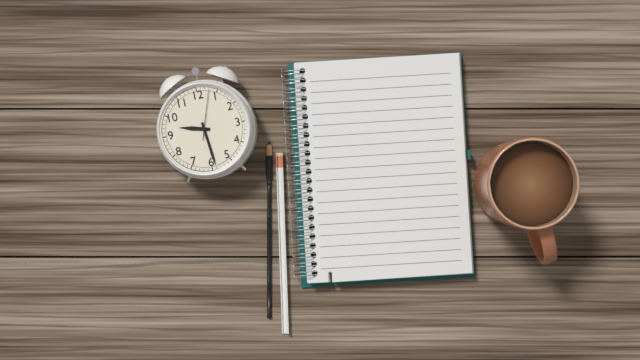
9:29
